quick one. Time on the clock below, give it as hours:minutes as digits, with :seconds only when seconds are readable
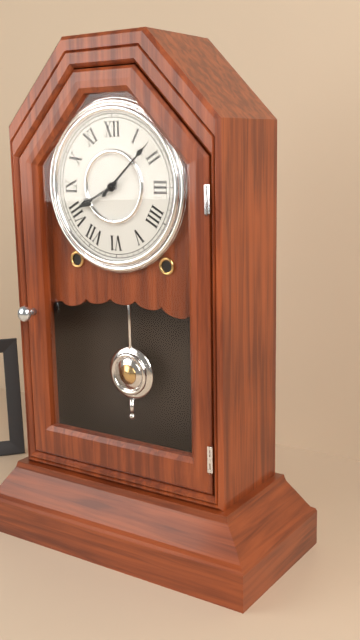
8:08
